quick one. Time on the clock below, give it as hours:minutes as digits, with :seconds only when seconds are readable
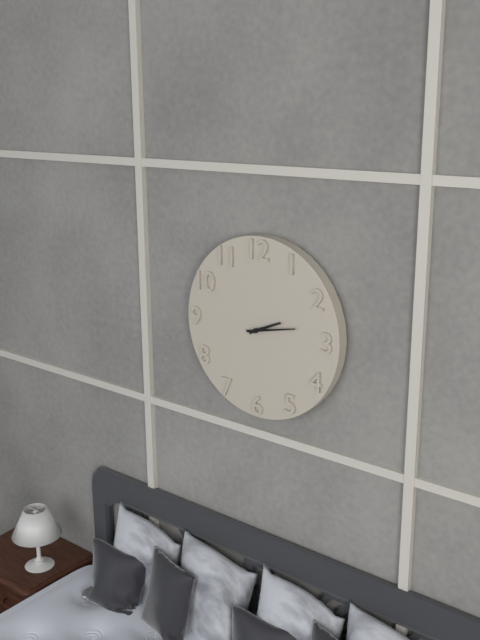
2:13
